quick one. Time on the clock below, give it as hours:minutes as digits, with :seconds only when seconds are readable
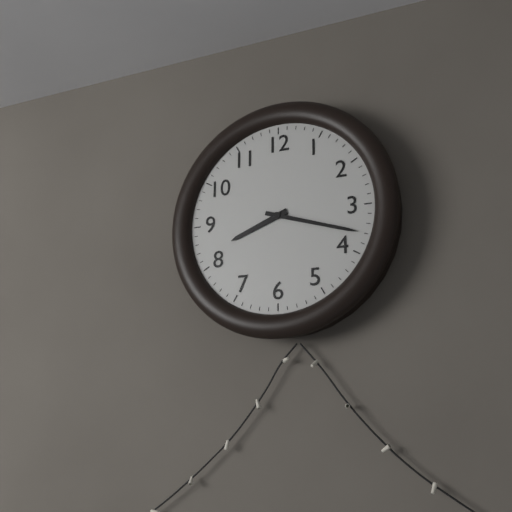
8:18
